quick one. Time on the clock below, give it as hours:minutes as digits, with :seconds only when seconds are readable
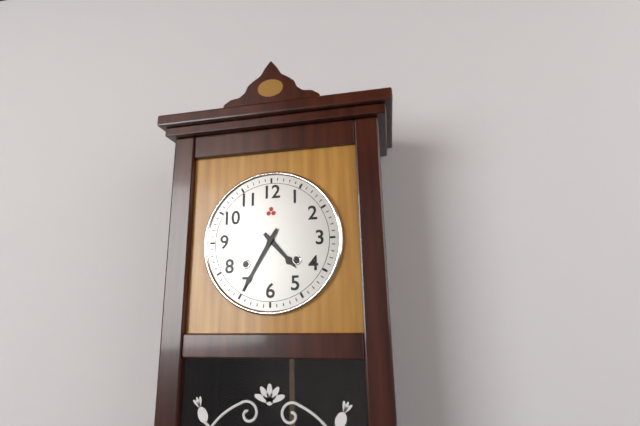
4:35
